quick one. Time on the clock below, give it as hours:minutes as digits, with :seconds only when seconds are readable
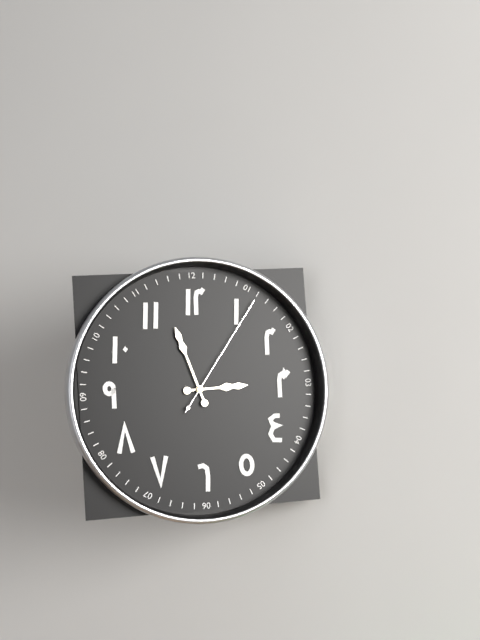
2:57:06
